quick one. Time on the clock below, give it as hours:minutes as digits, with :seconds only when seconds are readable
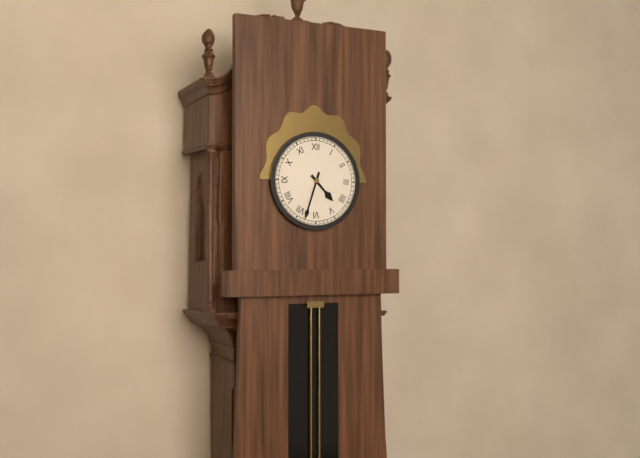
4:33
